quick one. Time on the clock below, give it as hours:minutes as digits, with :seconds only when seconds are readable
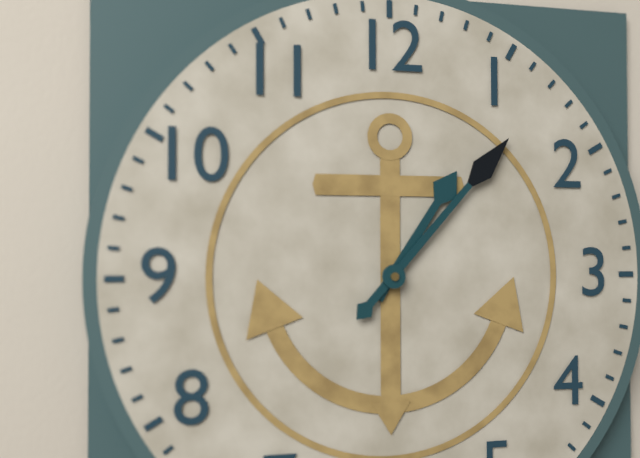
1:07
